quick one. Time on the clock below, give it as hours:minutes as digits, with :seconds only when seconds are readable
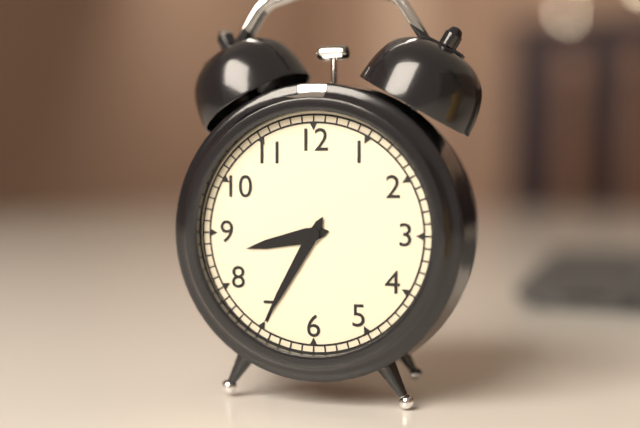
8:35
